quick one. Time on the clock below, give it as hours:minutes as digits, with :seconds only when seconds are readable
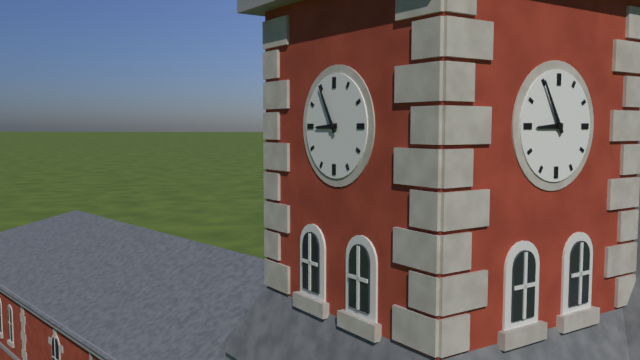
8:55
